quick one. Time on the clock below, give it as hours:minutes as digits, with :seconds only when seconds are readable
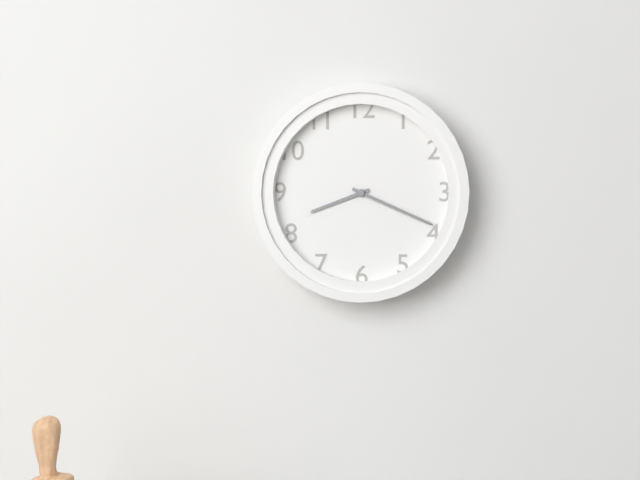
8:19
